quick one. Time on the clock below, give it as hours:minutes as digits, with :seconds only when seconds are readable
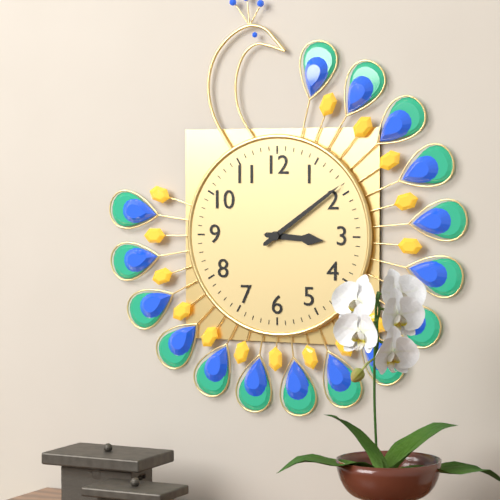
3:09
